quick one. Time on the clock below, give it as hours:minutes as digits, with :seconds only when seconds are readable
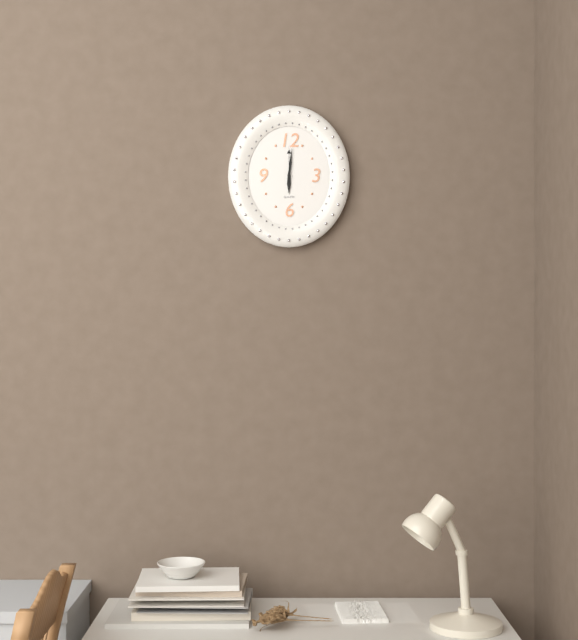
6:01
